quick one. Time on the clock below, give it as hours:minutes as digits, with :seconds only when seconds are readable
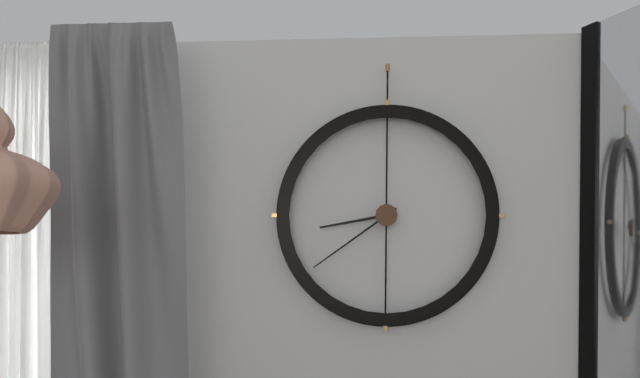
8:39
